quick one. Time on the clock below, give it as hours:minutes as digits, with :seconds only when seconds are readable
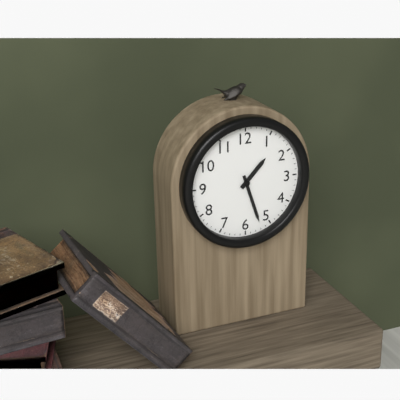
1:27
